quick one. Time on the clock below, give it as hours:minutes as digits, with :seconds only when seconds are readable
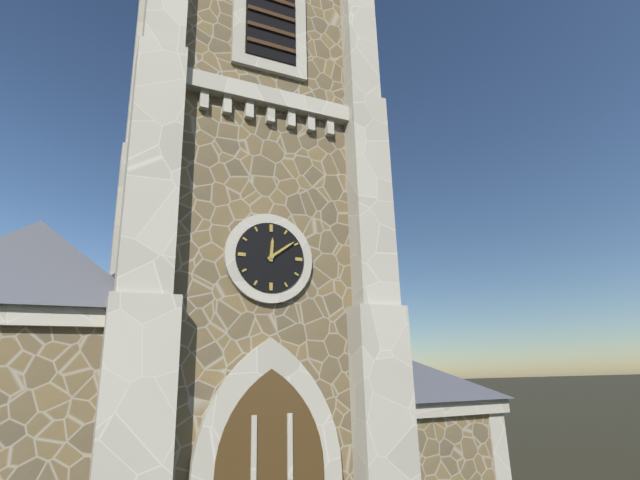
12:09
